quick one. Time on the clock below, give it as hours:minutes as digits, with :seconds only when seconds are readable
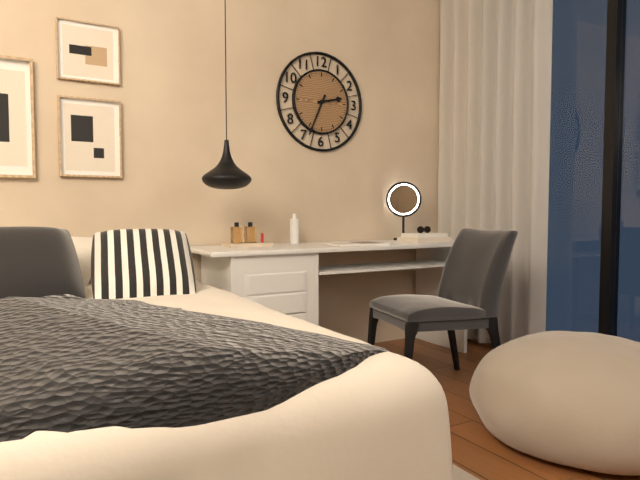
2:34
